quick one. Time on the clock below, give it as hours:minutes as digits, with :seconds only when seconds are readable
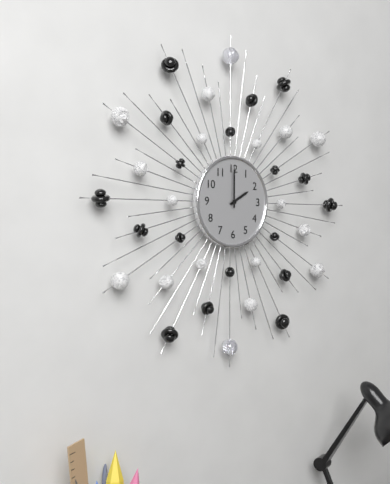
2:00
